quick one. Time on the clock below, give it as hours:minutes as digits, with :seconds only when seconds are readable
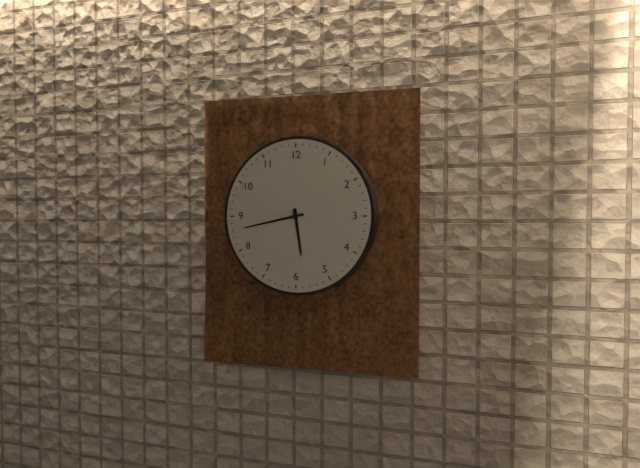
5:43
